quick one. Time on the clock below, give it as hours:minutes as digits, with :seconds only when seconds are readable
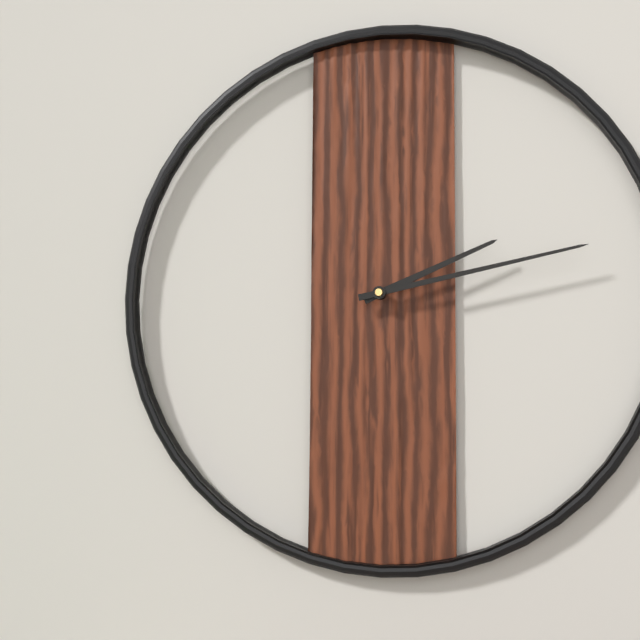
2:13
